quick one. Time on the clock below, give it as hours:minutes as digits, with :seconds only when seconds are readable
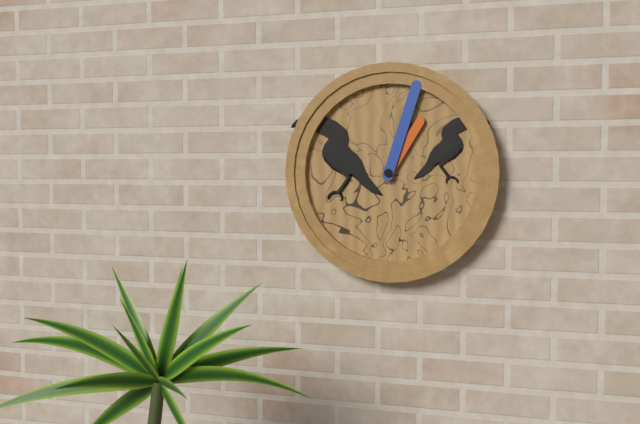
1:03
